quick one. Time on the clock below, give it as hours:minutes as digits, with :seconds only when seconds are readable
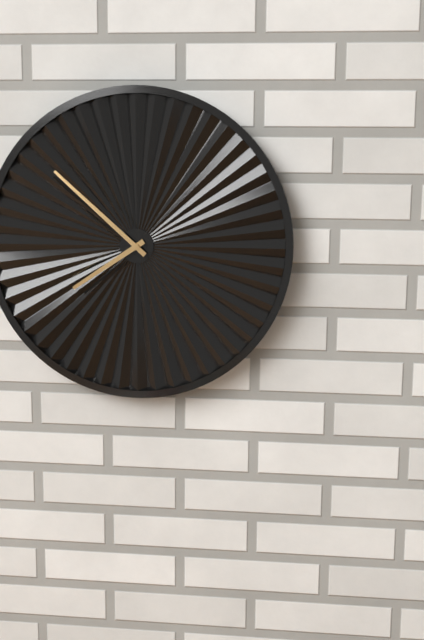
7:52
